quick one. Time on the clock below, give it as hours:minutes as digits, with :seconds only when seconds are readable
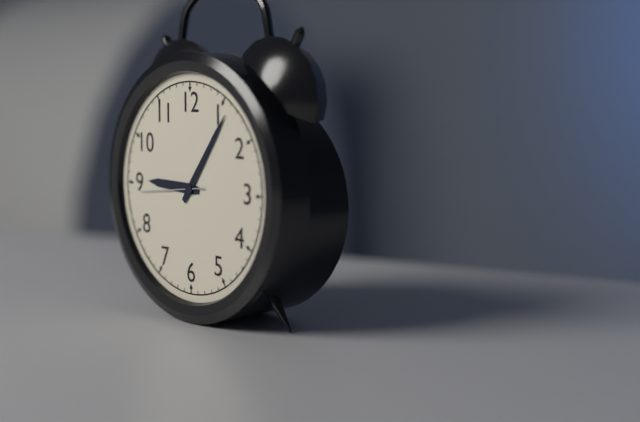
9:06:44
